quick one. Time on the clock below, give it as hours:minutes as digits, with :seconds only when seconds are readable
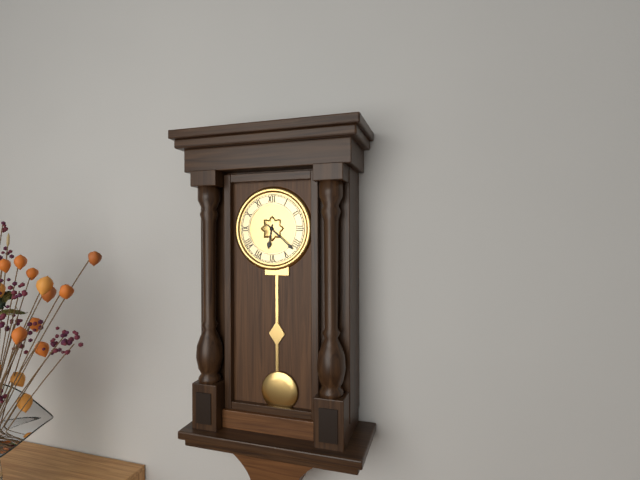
6:22
